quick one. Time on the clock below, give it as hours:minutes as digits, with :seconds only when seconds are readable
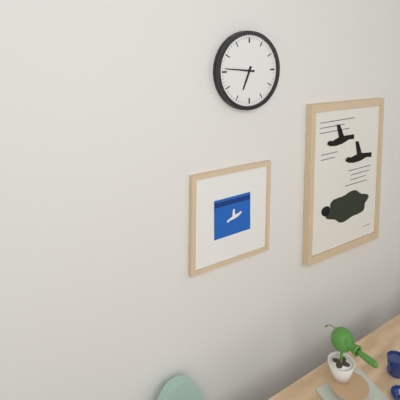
6:46
